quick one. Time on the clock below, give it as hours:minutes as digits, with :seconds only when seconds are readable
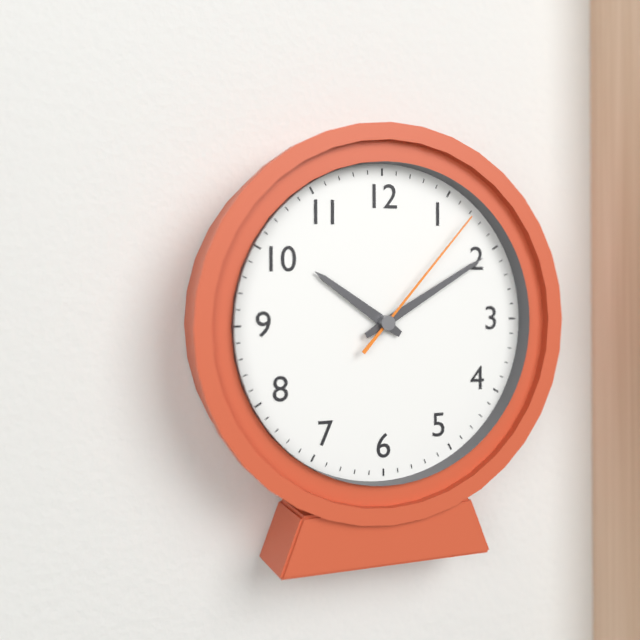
10:10:07
